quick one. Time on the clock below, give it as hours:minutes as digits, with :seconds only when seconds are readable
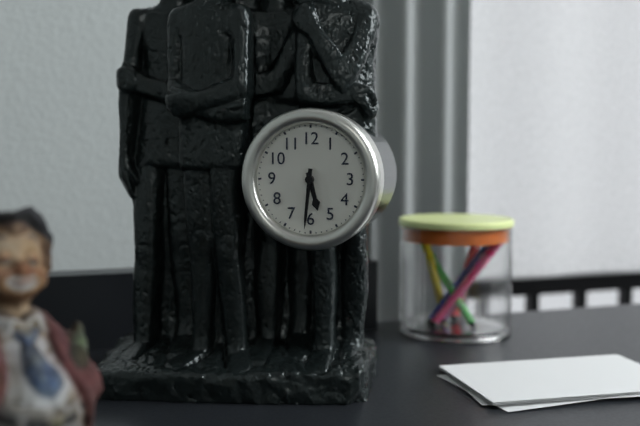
5:31
